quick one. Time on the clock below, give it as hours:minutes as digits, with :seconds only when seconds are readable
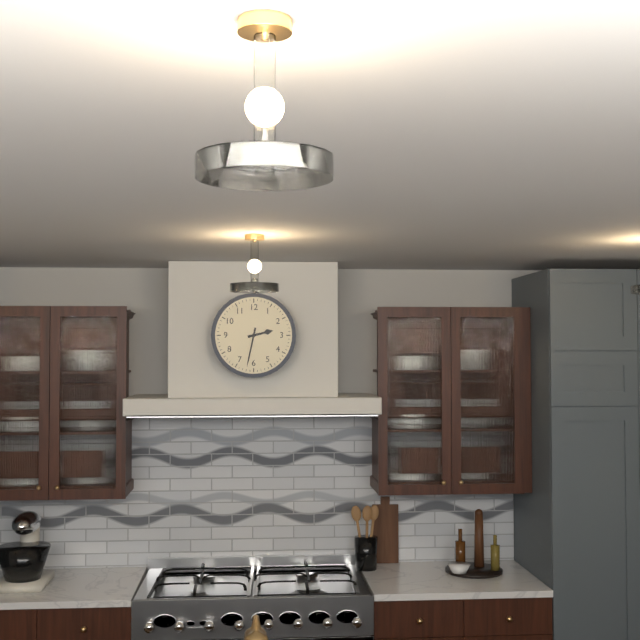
2:32
